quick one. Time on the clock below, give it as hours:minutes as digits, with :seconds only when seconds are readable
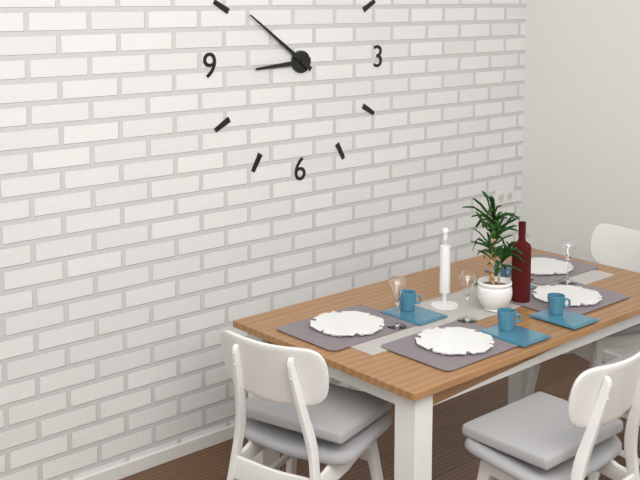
8:51
